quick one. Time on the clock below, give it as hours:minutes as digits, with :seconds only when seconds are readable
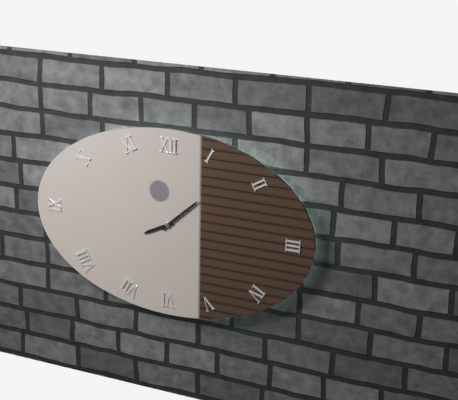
8:08
